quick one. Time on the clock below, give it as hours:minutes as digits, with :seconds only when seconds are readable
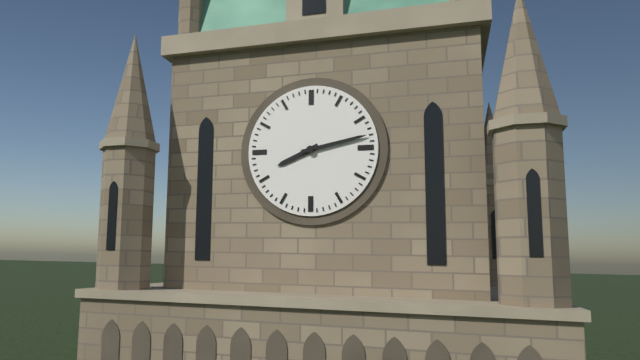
8:13
